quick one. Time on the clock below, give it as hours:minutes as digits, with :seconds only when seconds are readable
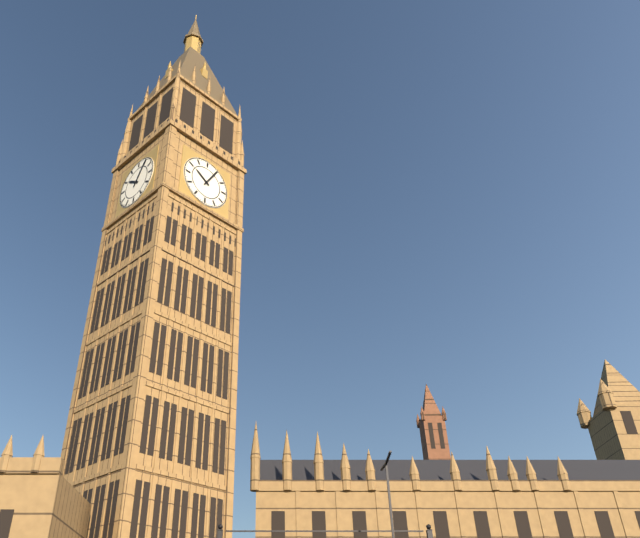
10:05
